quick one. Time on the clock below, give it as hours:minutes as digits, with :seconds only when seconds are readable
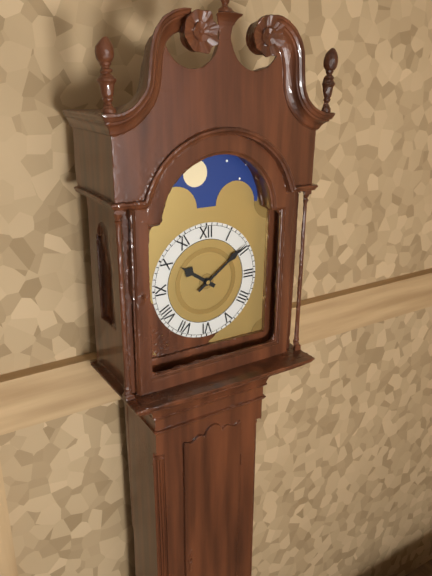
10:09
